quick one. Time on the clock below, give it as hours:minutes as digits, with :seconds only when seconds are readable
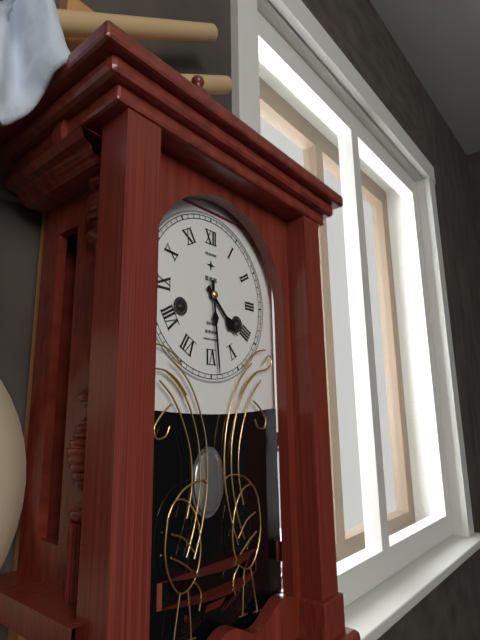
4:29
